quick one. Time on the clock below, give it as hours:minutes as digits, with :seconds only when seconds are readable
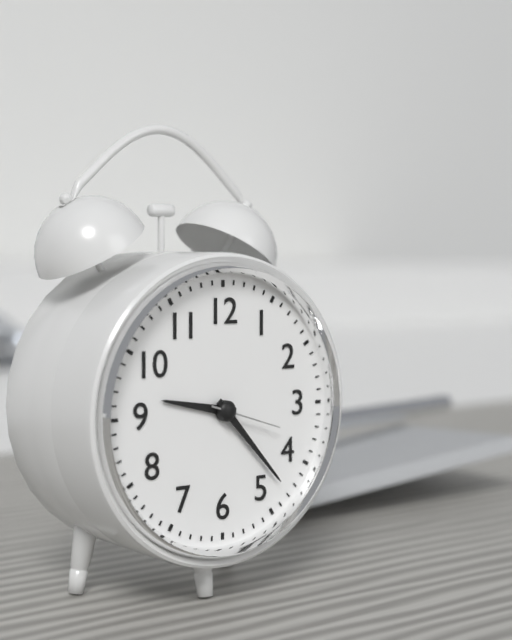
9:23:18
